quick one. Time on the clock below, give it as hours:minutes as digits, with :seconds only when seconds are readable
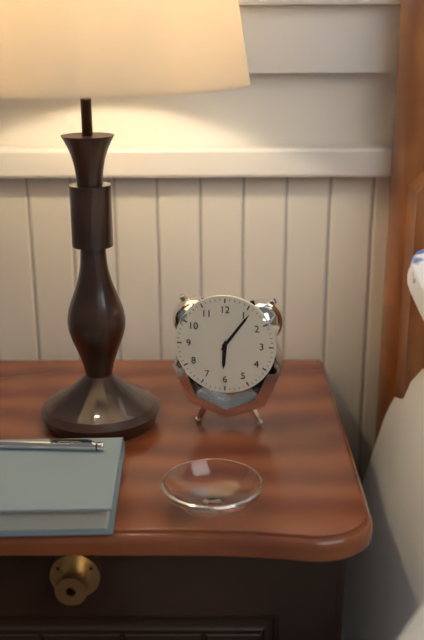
6:06
